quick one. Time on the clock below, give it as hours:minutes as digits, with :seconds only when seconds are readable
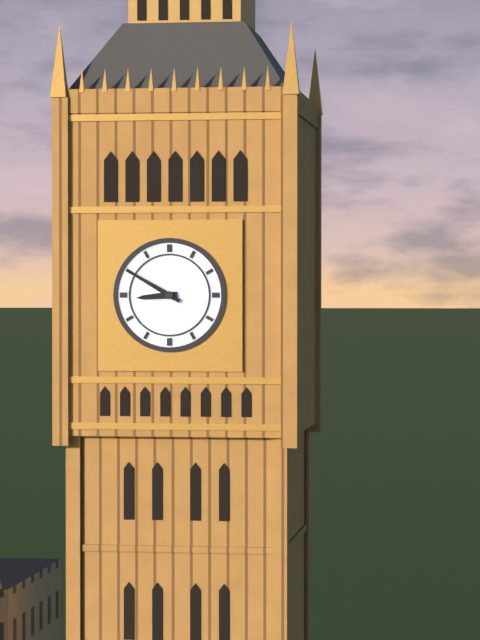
8:50
